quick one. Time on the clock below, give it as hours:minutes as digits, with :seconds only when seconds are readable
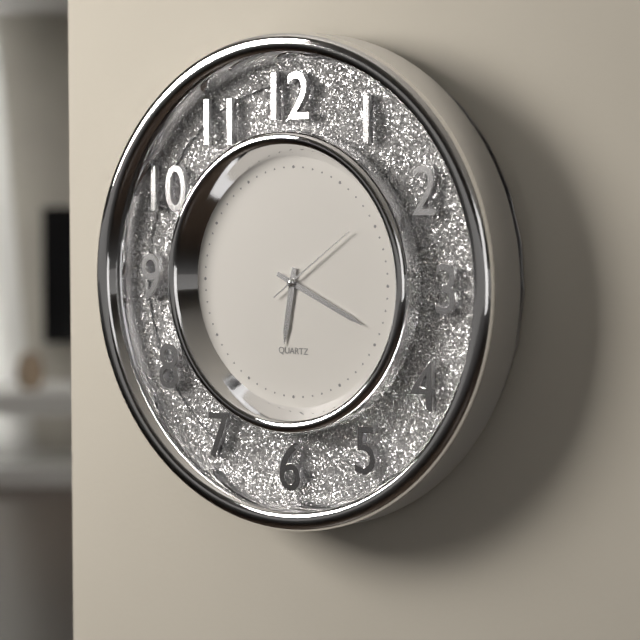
6:19:09
